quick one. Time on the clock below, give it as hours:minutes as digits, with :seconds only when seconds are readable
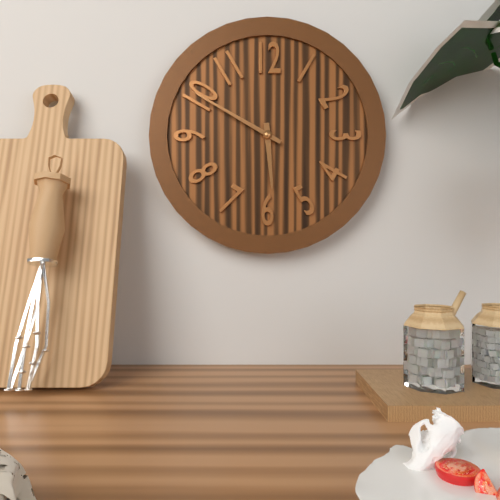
5:50
